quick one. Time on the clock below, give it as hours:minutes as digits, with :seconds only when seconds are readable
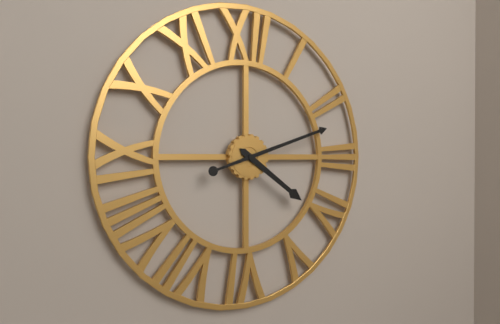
4:12
